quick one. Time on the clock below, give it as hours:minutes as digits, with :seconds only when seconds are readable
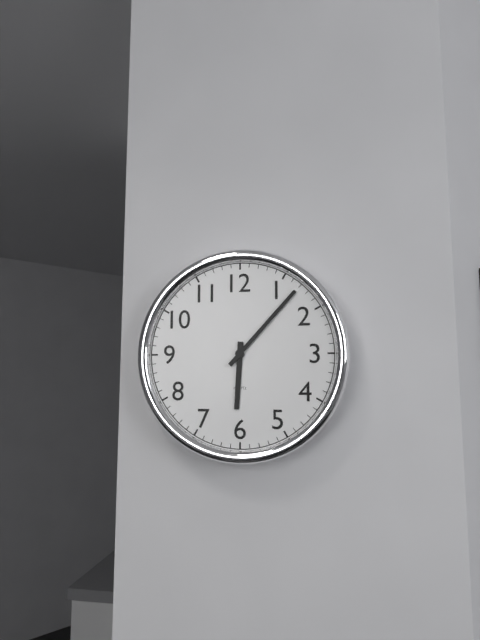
6:07
